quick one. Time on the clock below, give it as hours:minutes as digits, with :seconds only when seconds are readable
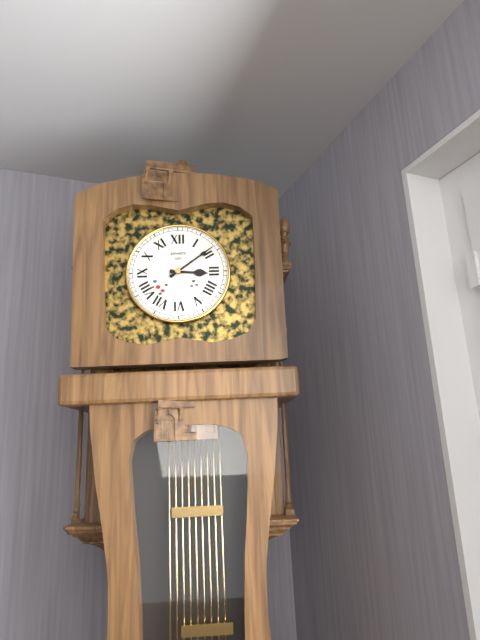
3:09
